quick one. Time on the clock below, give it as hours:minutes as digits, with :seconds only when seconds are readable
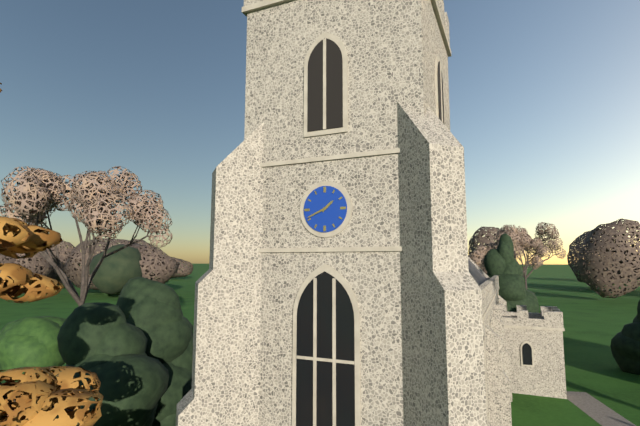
1:41
